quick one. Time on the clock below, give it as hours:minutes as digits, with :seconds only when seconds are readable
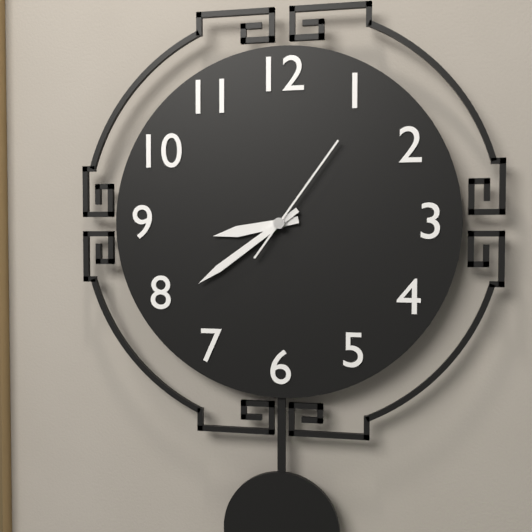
8:39:06
